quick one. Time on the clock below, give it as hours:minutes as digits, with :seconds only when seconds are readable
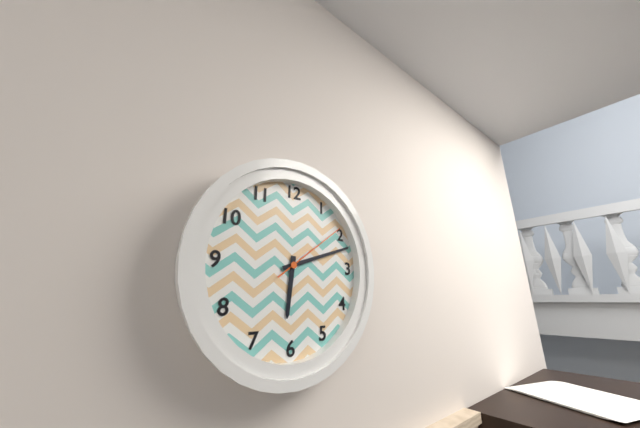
6:12:09
